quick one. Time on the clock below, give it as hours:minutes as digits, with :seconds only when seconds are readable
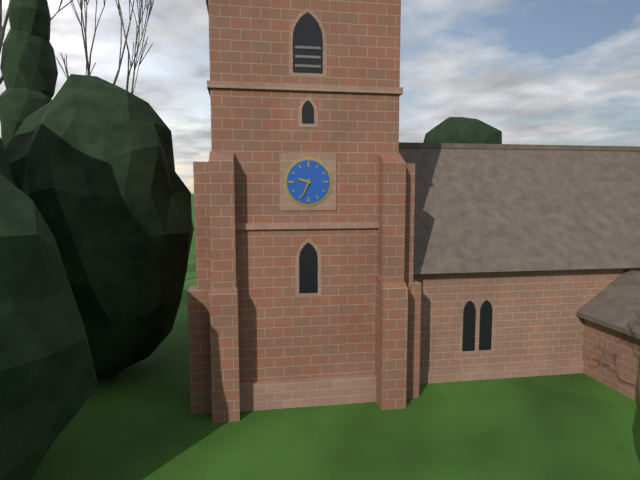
9:34
